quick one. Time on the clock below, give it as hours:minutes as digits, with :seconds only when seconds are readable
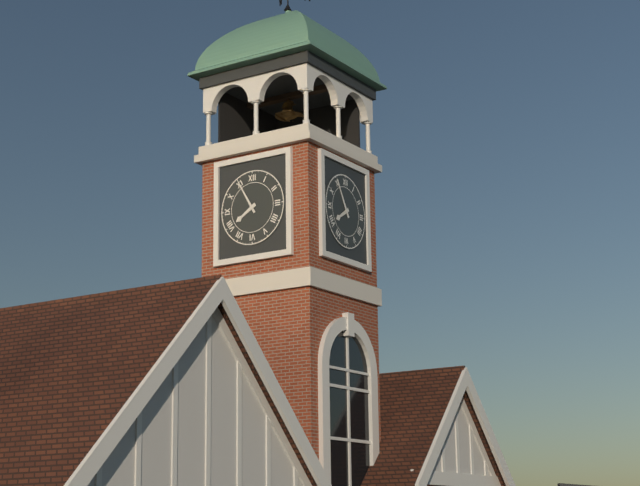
7:55
